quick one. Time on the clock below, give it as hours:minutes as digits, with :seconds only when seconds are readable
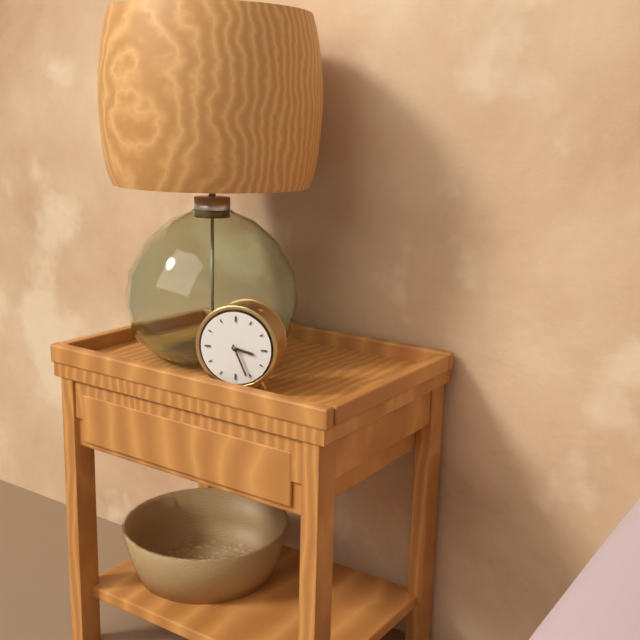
3:26
